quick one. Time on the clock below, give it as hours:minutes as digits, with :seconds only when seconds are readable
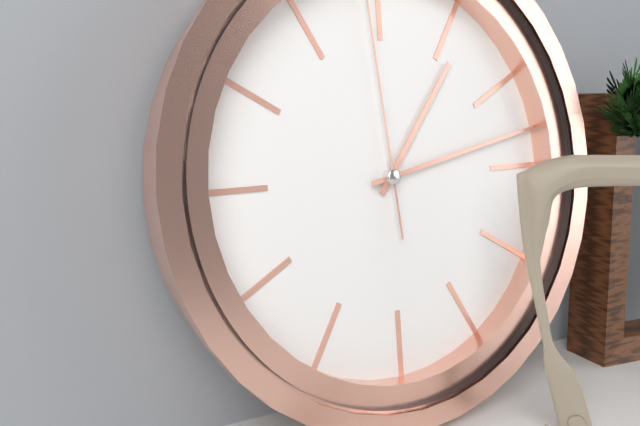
1:13
